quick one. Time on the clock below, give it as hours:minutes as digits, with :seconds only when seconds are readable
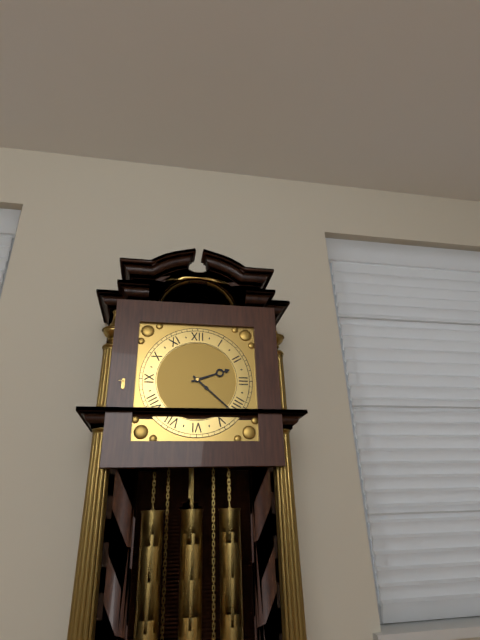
2:22
